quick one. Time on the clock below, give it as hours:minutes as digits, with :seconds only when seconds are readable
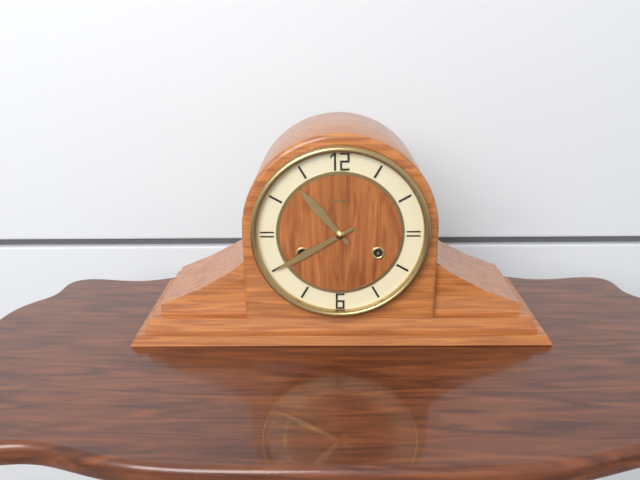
10:40
